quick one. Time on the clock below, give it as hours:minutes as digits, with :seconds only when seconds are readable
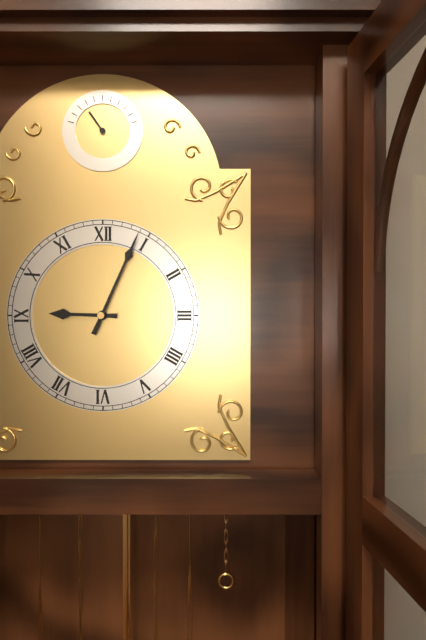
9:04
